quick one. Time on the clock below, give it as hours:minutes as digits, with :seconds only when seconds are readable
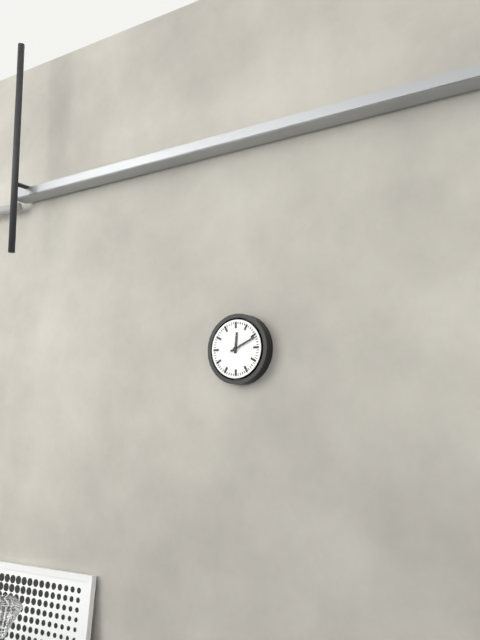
12:11
